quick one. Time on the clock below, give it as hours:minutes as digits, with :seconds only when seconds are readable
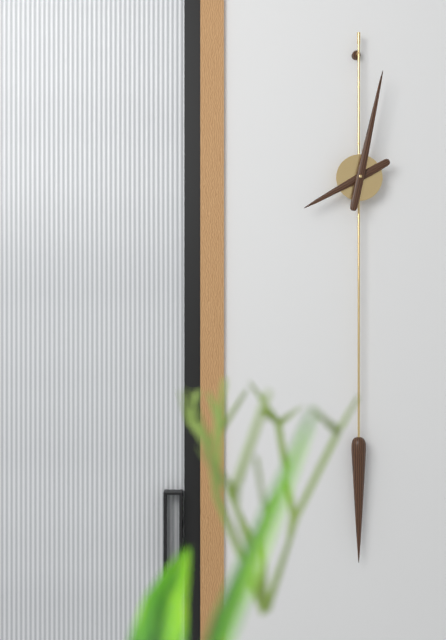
8:02
